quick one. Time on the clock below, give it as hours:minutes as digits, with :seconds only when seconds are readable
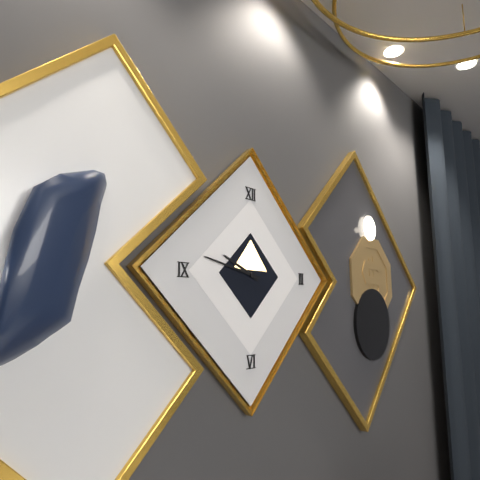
9:47
